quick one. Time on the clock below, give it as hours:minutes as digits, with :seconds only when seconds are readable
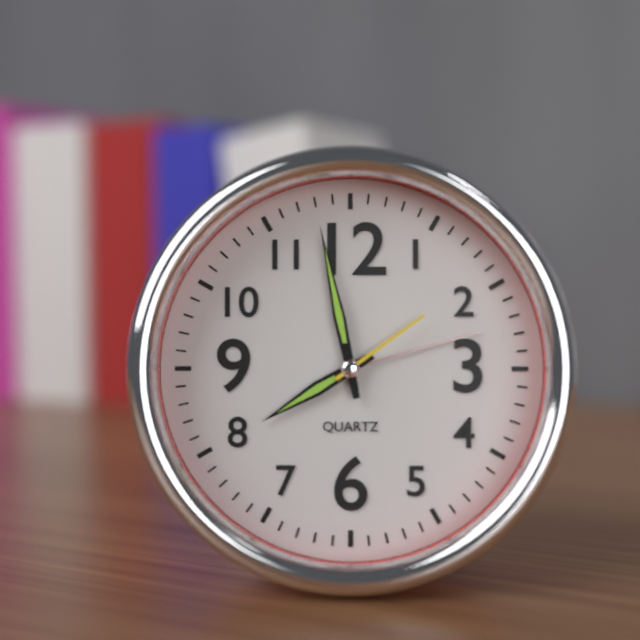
7:58:09
